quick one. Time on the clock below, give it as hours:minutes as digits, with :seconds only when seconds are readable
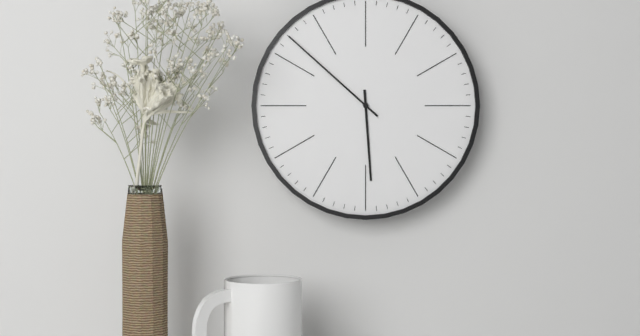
5:52
